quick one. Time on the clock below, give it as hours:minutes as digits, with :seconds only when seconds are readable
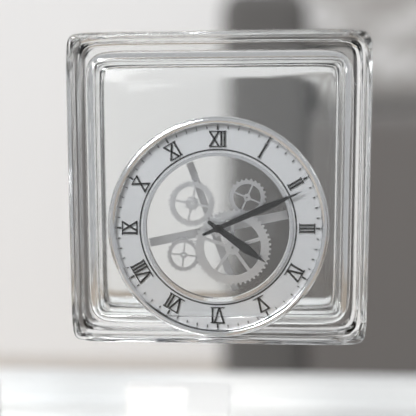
4:11
